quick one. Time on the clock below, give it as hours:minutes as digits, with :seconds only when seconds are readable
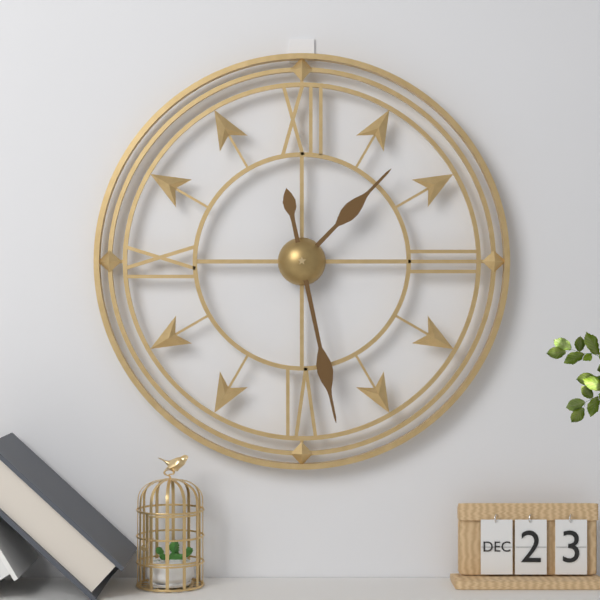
1:28
